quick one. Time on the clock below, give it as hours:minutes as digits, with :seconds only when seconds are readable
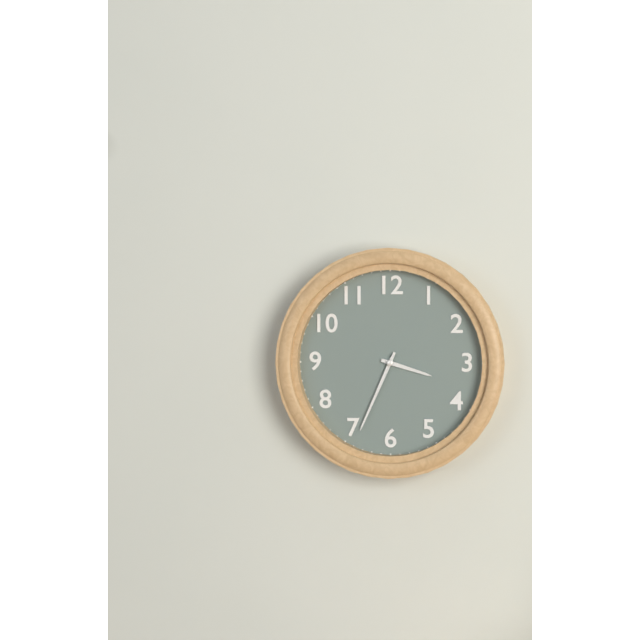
3:34
